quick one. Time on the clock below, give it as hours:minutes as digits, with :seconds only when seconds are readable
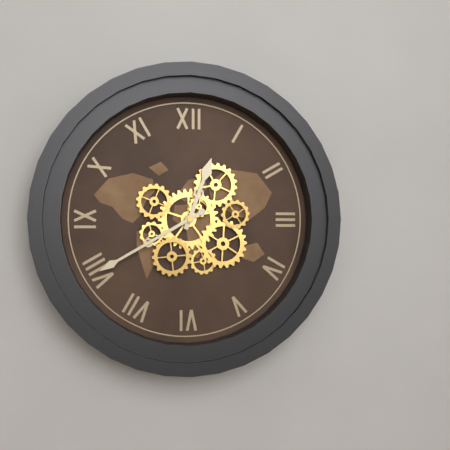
12:40
